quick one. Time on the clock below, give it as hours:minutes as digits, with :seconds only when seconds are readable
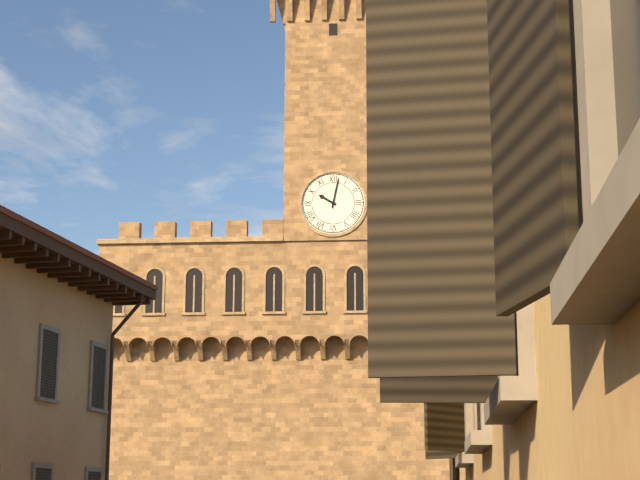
10:02
